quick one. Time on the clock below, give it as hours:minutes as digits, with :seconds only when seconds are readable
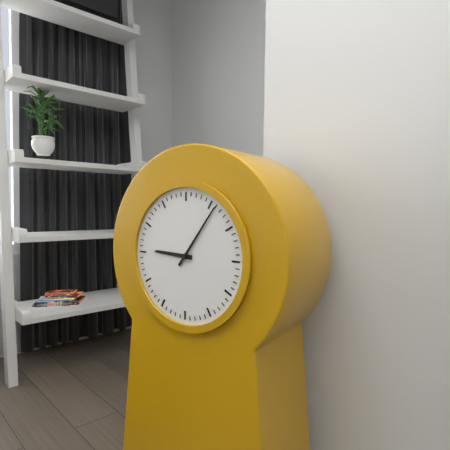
9:06
